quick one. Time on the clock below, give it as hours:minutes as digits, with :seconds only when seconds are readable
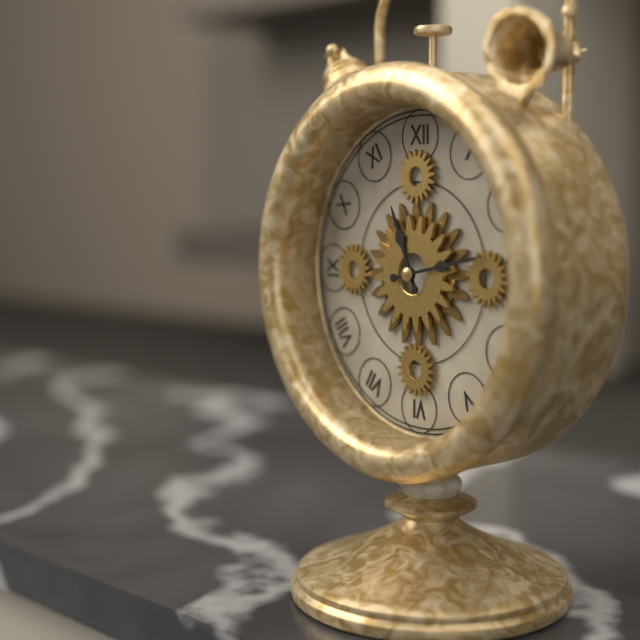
11:13
